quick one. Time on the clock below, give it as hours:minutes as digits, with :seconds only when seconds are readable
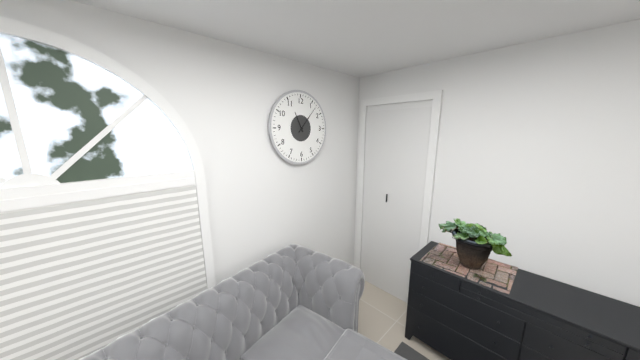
11:07
